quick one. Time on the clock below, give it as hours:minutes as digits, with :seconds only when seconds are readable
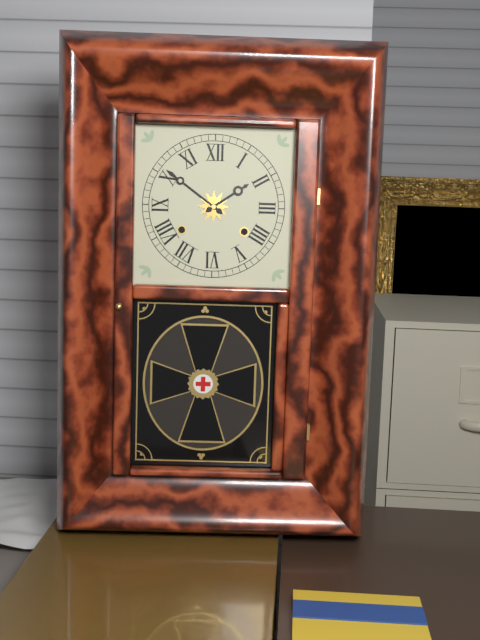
1:51
